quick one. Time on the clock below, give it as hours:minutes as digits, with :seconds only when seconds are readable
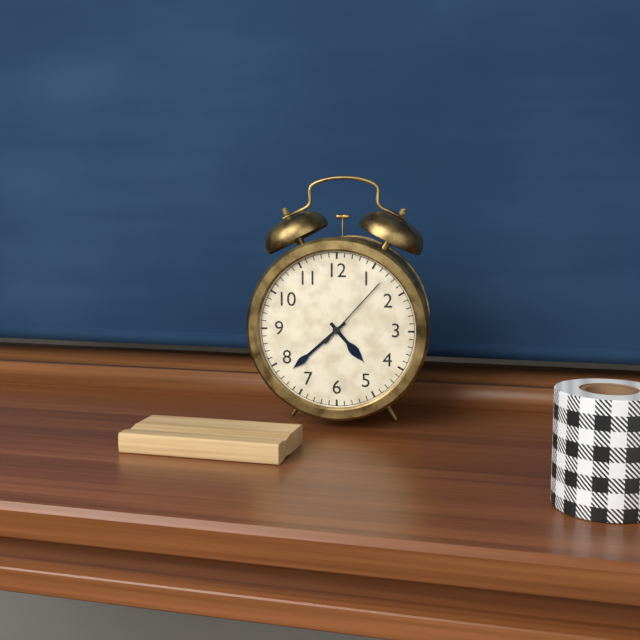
4:38:07
